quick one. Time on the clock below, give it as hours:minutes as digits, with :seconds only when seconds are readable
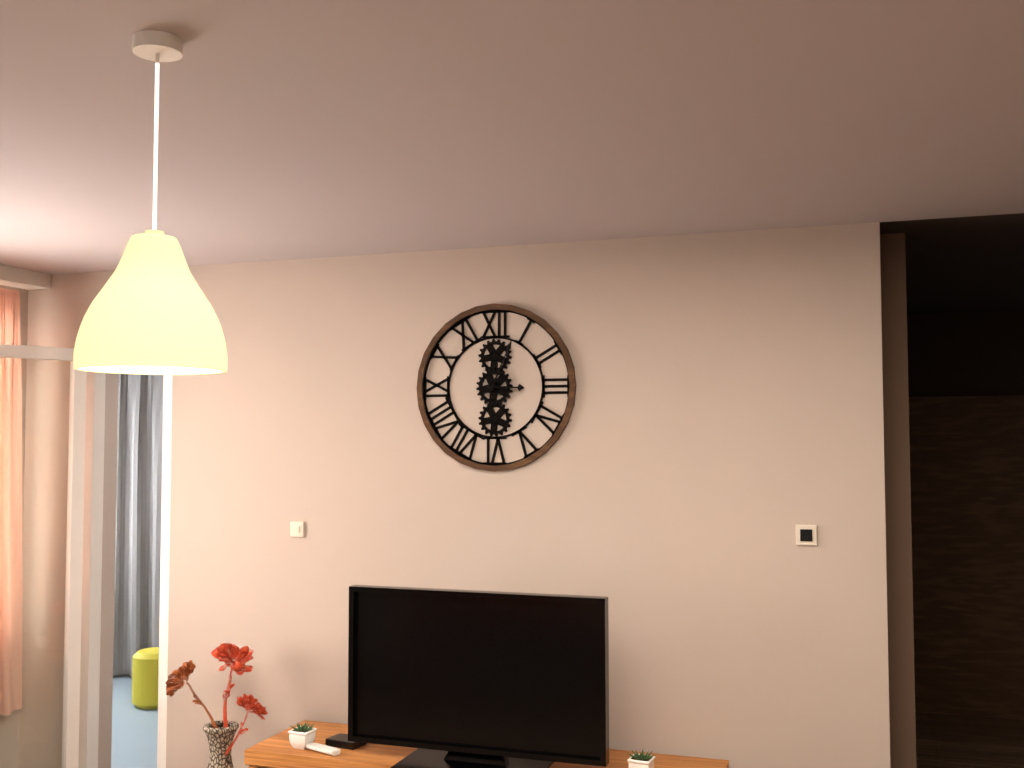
3:04
